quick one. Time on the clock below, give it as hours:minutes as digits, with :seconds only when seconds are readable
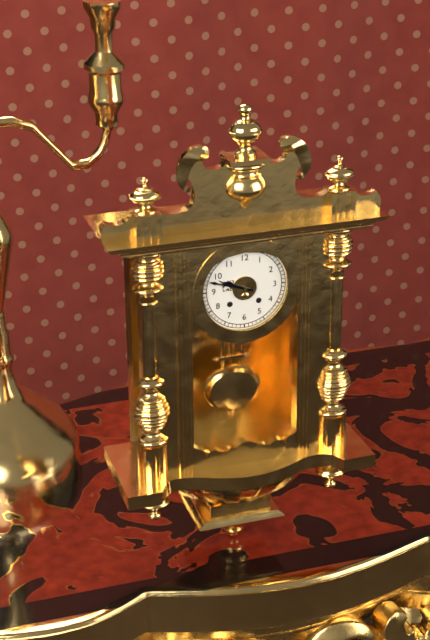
9:48
